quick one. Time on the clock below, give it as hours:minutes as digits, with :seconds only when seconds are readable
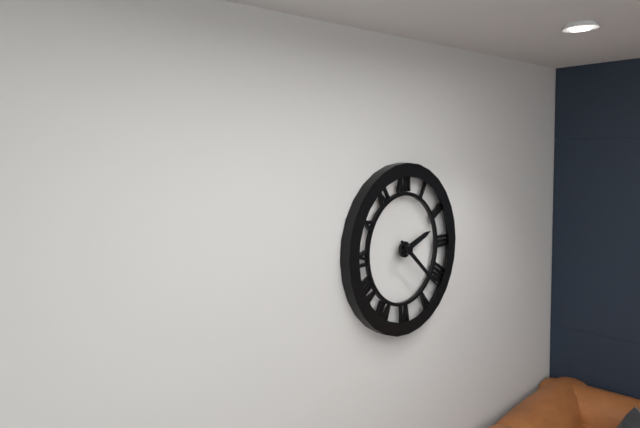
2:22
